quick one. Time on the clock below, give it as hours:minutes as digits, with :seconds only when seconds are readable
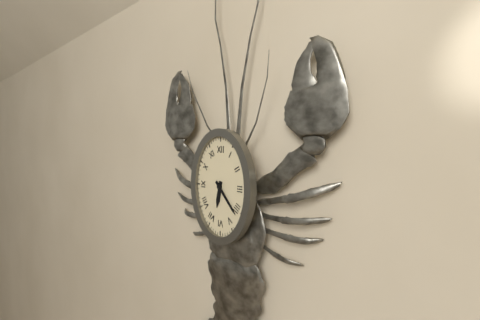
6:23
